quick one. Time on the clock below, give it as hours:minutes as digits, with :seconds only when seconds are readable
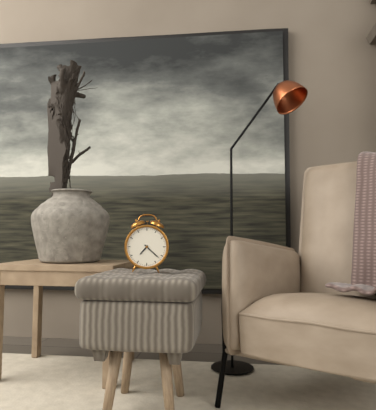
7:22
